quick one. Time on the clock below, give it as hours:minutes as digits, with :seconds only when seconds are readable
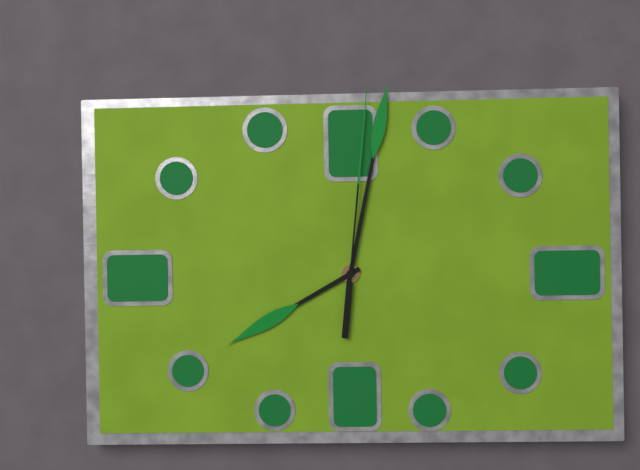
8:02:01
